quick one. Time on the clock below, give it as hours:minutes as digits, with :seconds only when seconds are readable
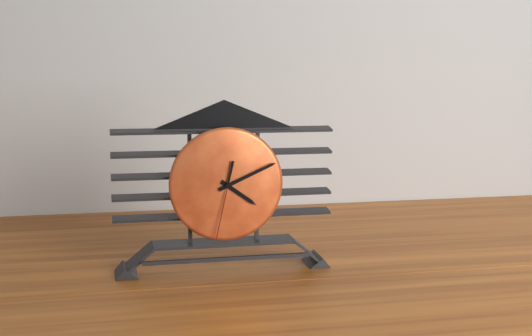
4:11:32
